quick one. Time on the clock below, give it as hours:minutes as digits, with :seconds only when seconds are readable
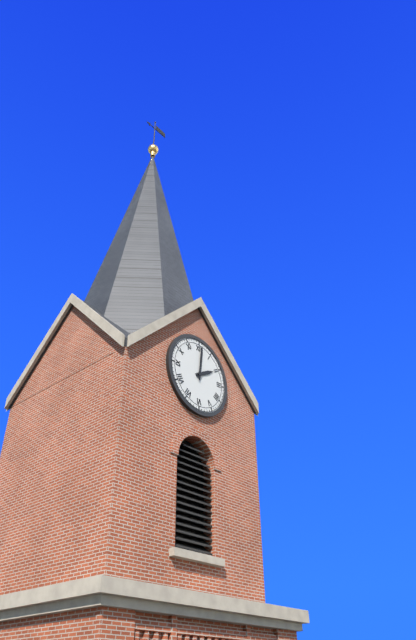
2:01
